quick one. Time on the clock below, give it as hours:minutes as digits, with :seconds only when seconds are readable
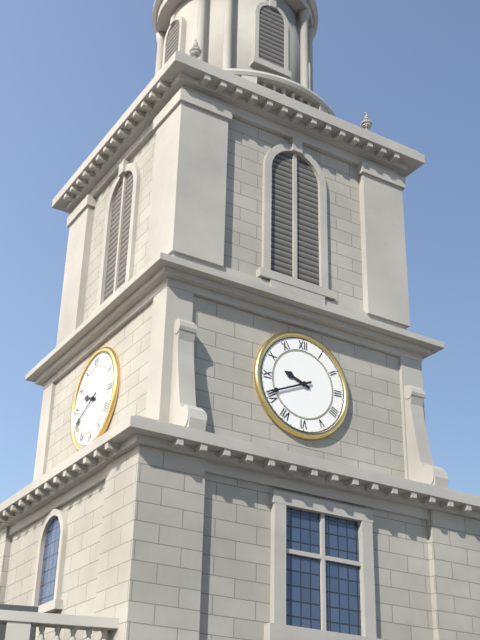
9:41
